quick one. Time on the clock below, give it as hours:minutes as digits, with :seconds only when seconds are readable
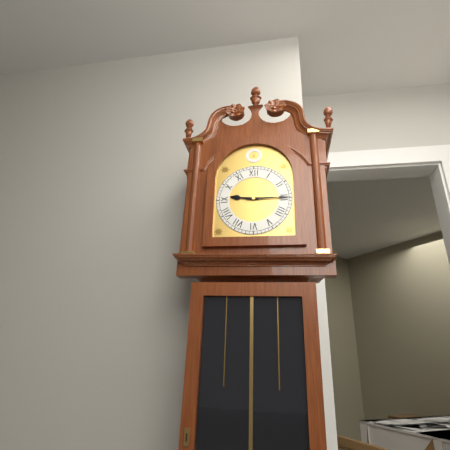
9:15
